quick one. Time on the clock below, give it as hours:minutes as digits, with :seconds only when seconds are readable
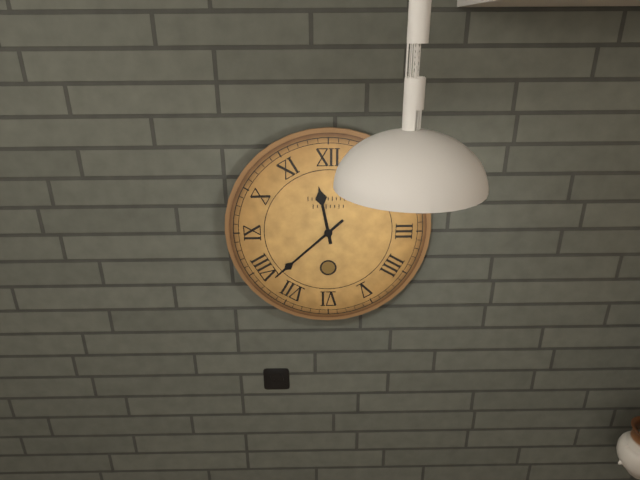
11:38
